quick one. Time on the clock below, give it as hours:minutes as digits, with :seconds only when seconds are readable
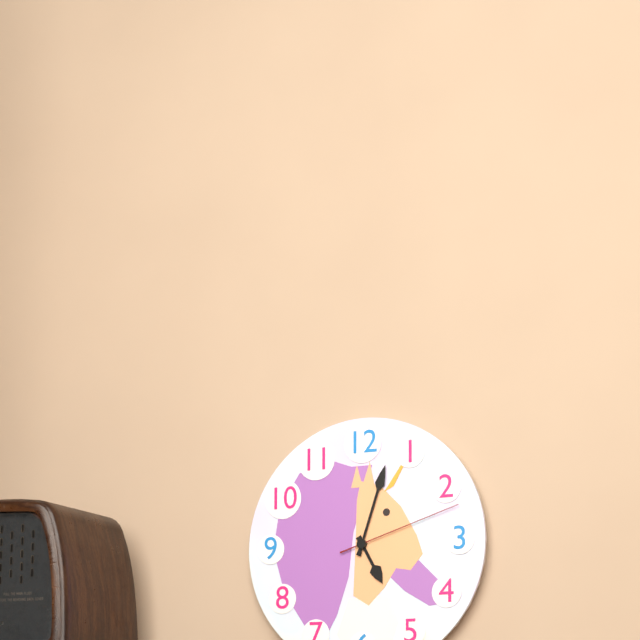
5:03:12
